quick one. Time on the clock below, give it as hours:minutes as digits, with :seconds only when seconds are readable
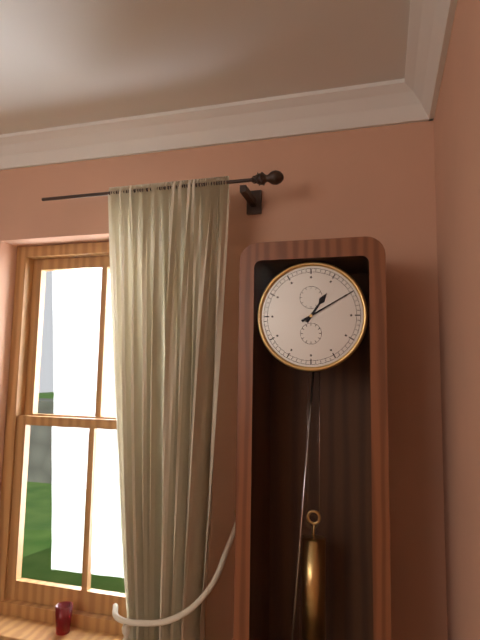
1:10
